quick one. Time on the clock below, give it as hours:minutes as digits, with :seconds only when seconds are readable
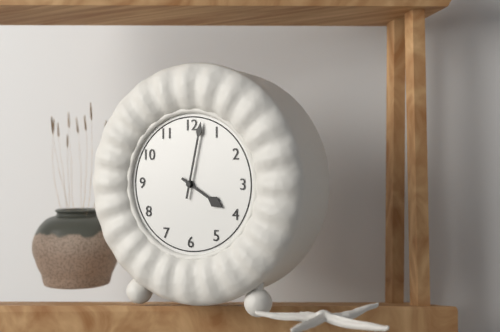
4:02
